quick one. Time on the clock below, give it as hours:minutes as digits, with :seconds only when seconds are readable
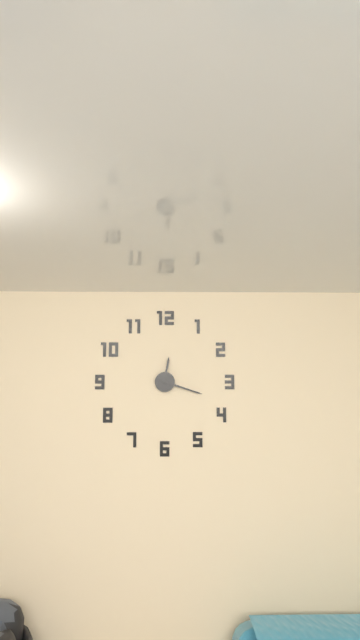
12:18
